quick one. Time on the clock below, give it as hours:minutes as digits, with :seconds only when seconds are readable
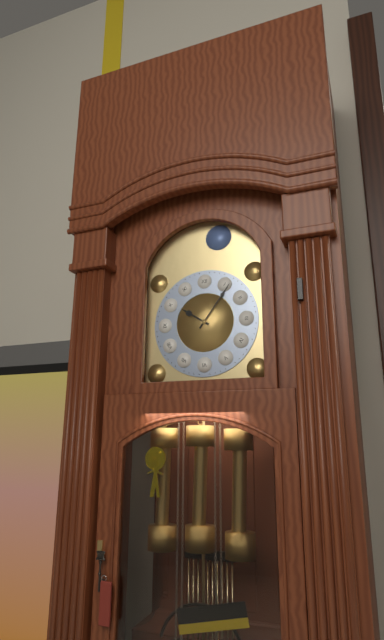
10:06
